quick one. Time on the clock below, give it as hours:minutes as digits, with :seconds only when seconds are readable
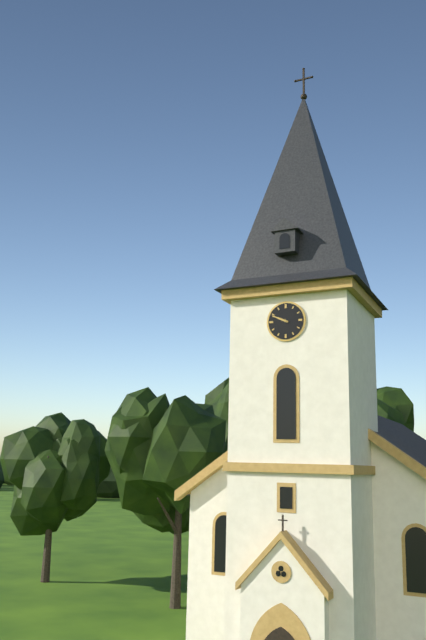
9:49
